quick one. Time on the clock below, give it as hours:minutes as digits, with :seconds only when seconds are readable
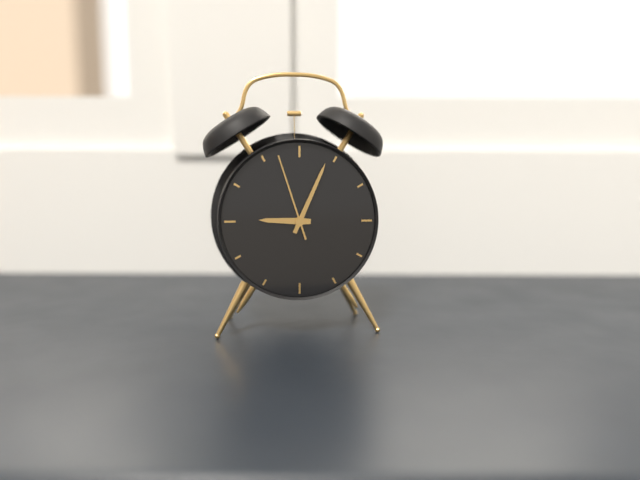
9:04:57
